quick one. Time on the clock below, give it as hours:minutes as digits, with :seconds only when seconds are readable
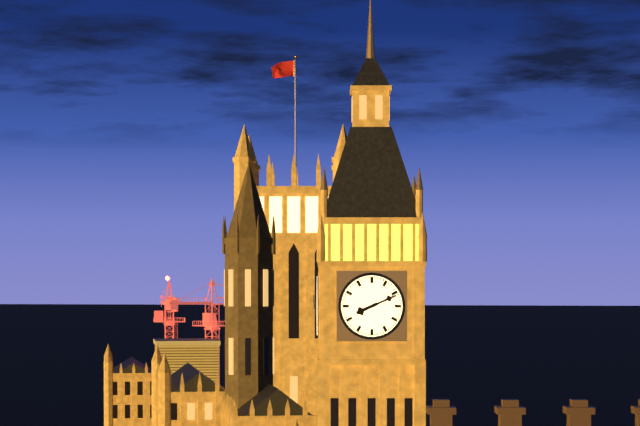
8:11
